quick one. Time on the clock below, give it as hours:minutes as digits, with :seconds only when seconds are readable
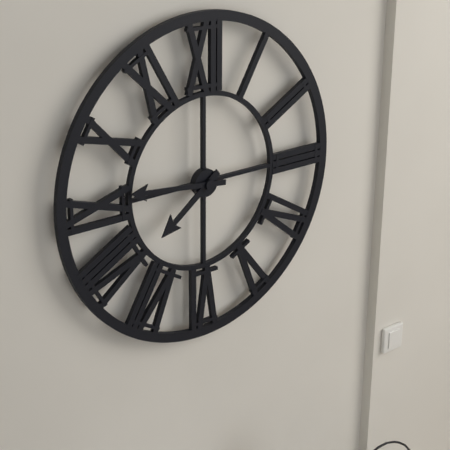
7:46
